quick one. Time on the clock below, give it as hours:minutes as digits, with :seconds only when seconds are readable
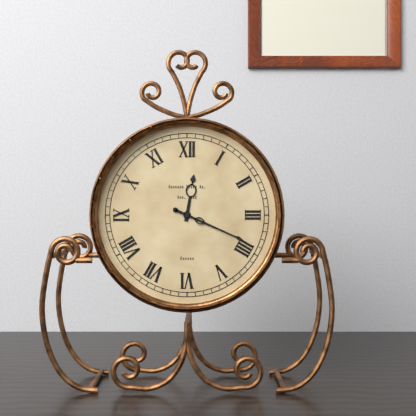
12:19
